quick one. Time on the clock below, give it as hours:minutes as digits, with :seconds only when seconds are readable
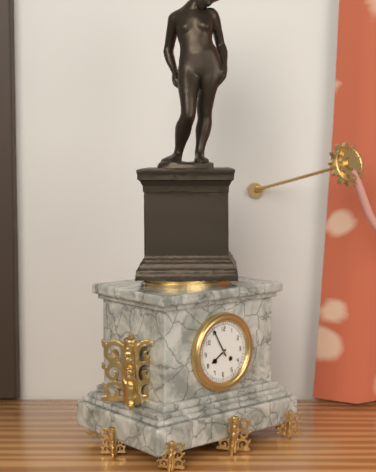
7:55
